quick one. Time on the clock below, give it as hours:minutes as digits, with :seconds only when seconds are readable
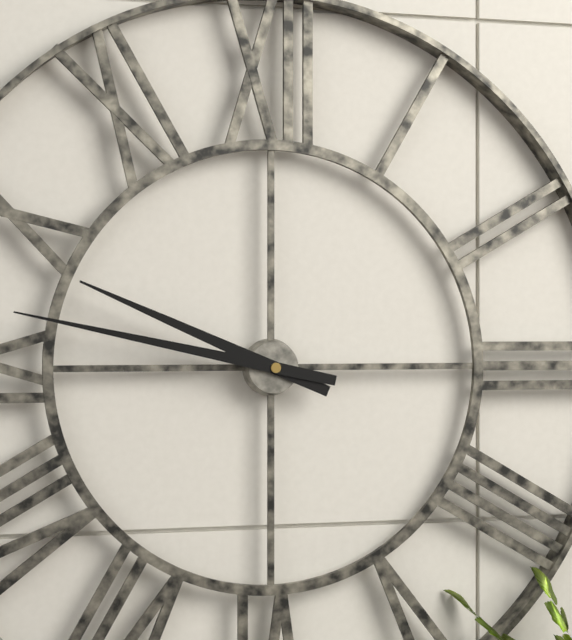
9:47
